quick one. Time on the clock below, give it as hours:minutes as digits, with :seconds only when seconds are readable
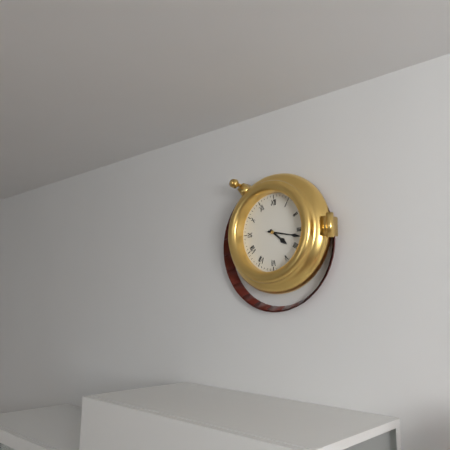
4:17
